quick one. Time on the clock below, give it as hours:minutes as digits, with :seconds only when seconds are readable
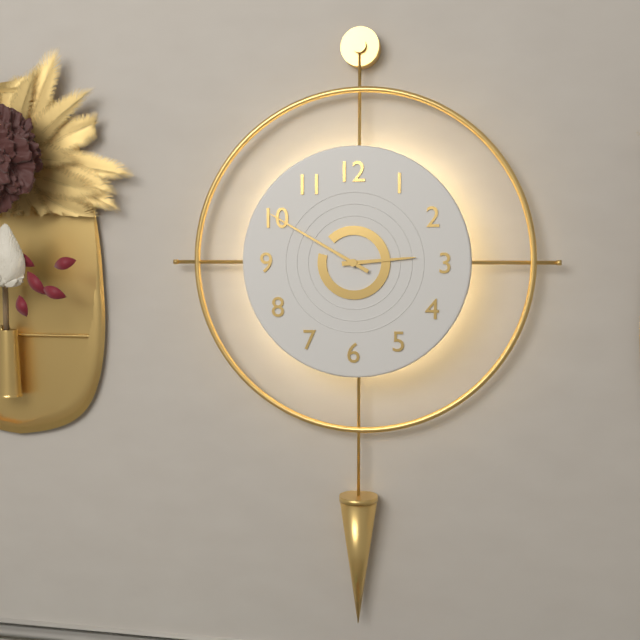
2:50
